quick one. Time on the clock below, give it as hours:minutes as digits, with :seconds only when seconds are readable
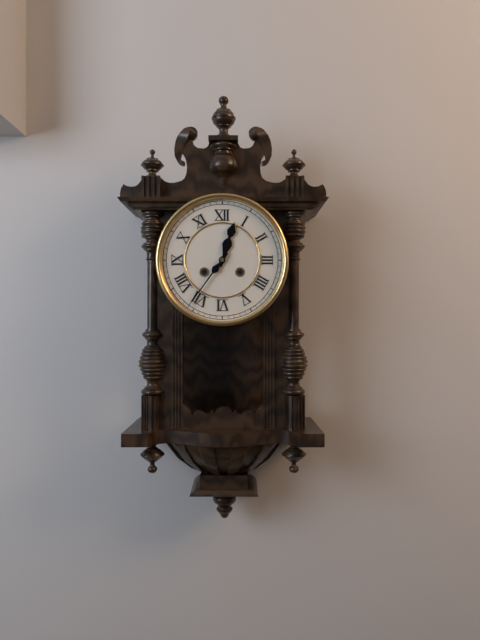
12:36
